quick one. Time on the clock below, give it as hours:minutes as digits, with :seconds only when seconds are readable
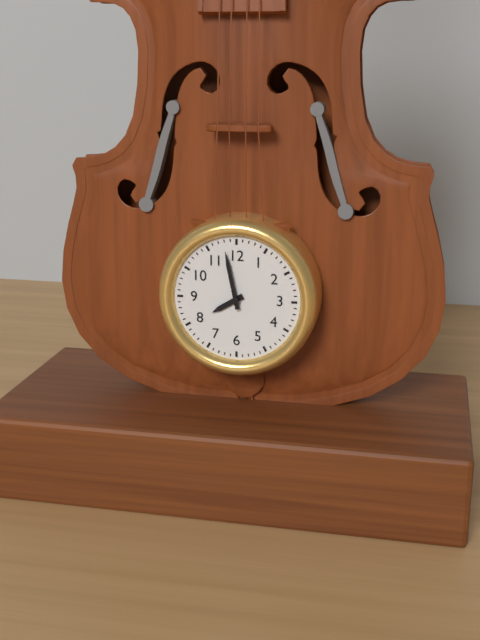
7:58
